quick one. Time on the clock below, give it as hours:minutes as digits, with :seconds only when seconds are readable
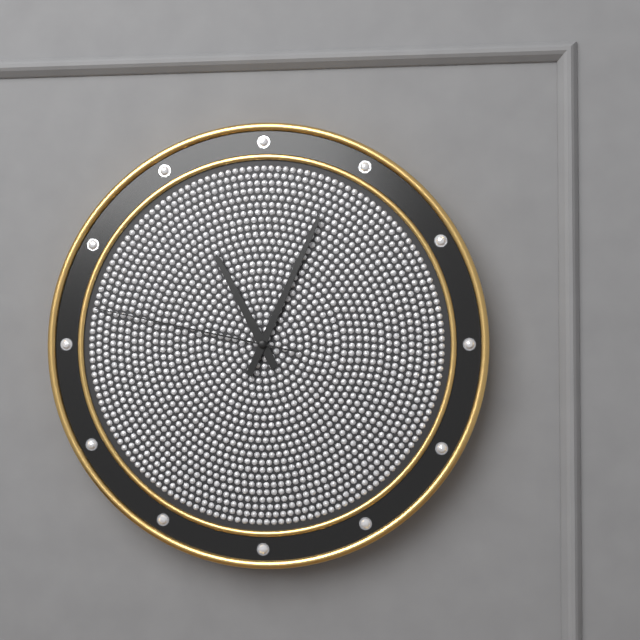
11:04:47
